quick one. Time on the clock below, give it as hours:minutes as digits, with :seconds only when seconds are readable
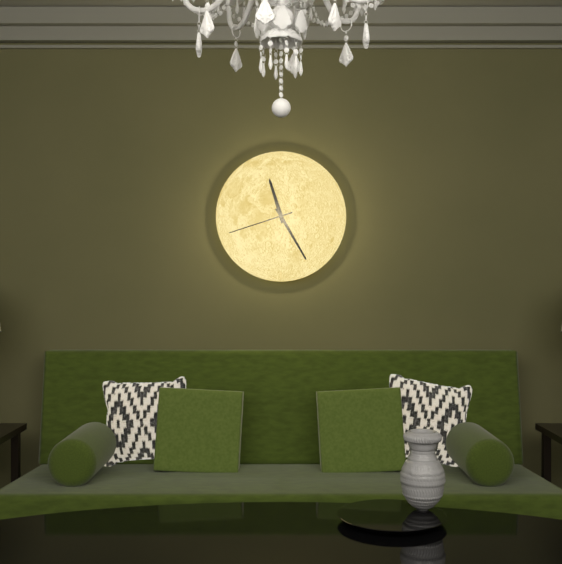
11:25:42
